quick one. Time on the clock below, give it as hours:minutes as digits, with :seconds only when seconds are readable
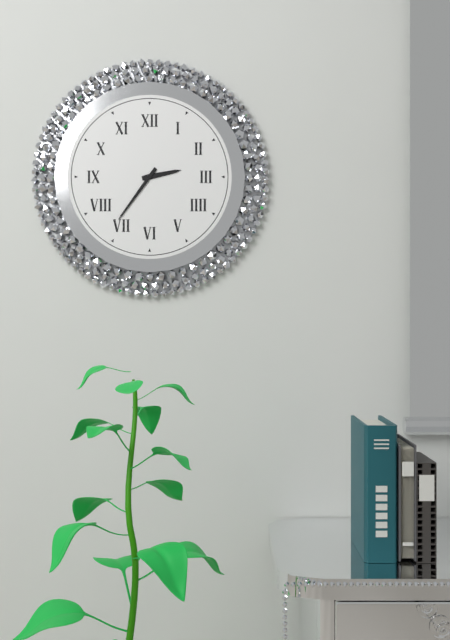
2:36
